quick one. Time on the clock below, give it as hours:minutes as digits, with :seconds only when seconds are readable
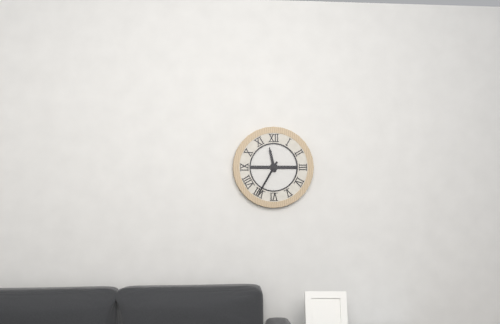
11:35
